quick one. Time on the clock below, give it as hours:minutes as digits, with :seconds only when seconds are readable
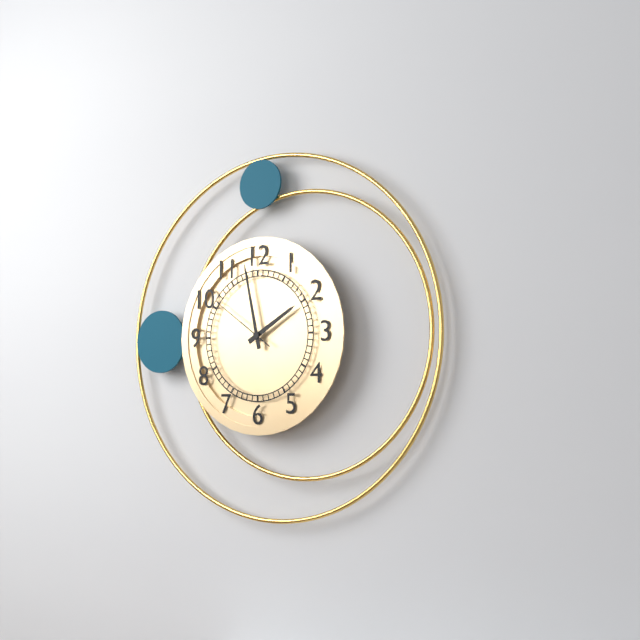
1:58:51
